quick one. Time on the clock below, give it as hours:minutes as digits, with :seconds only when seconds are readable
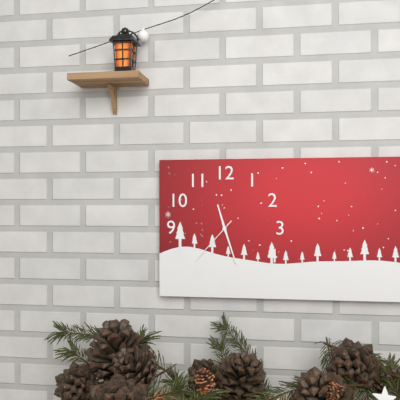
11:27:37
